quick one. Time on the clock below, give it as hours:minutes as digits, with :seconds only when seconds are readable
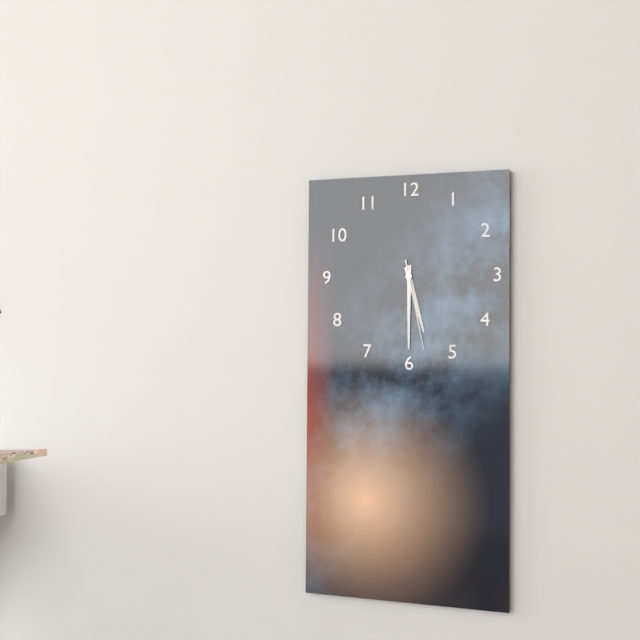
5:30:28
